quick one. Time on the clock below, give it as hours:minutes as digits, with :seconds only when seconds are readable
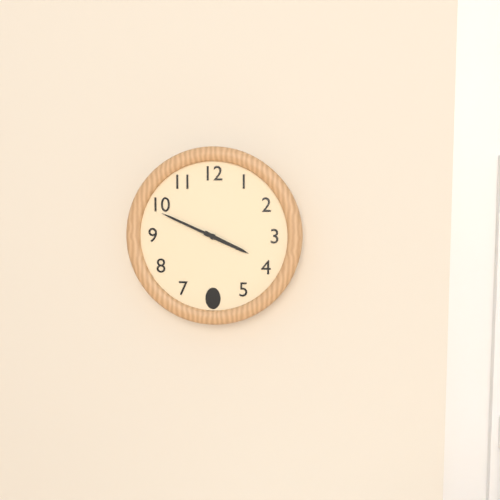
3:49
